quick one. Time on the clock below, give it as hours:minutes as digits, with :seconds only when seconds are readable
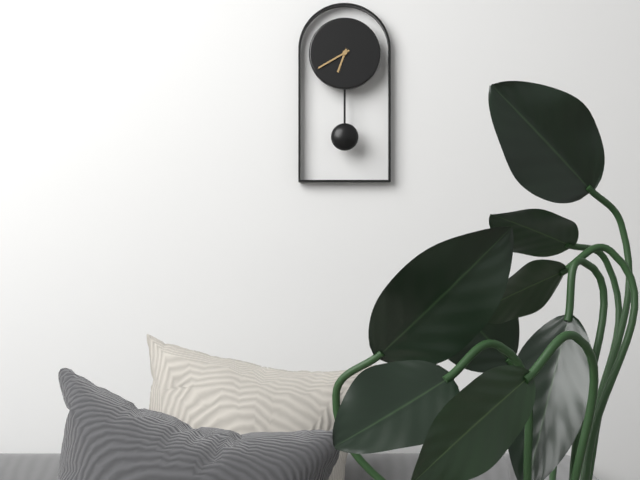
6:40
